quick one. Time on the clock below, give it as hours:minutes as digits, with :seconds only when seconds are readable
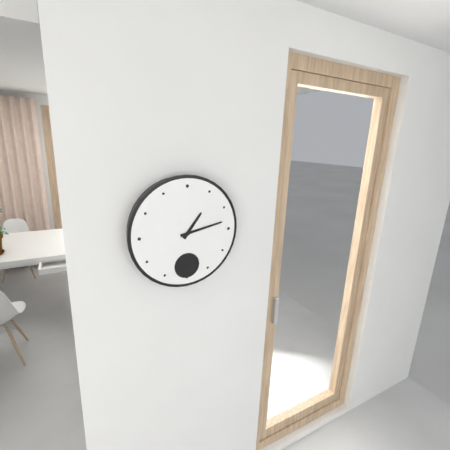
1:13
